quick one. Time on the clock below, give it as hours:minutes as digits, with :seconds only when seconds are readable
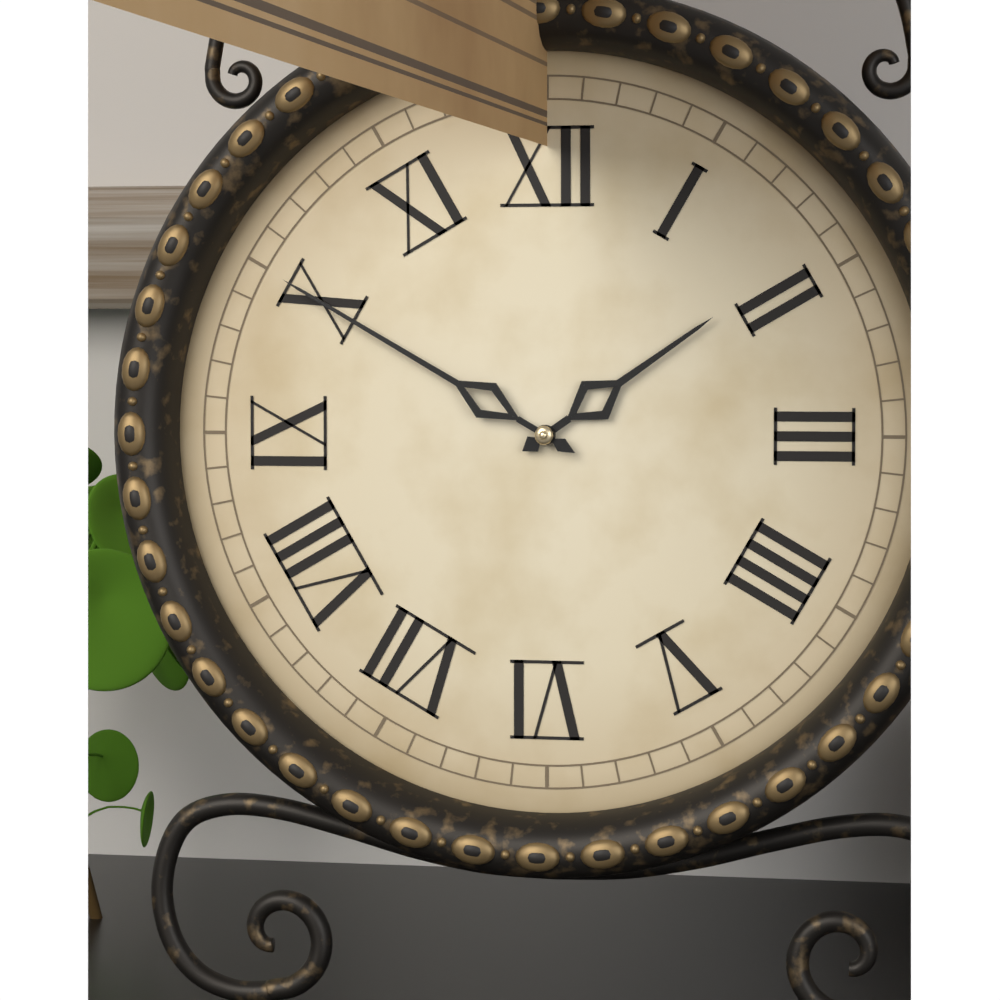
1:50
